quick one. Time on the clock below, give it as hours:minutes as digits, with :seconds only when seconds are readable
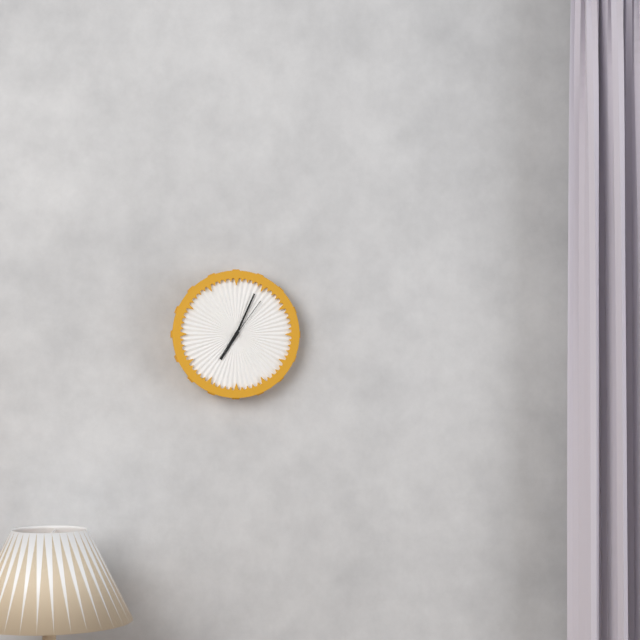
7:04:06
